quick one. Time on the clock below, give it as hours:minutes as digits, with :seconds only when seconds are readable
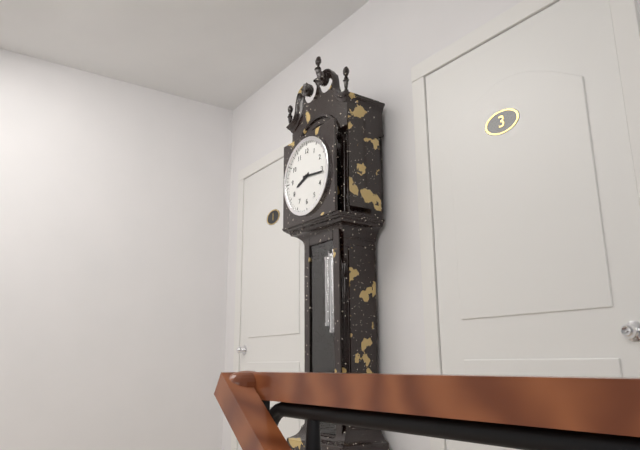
8:16
